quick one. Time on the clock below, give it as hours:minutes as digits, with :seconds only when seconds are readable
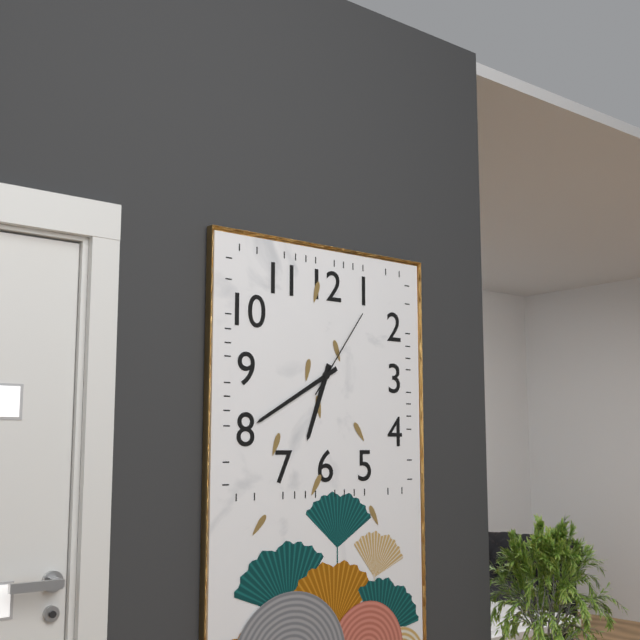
6:40:06
